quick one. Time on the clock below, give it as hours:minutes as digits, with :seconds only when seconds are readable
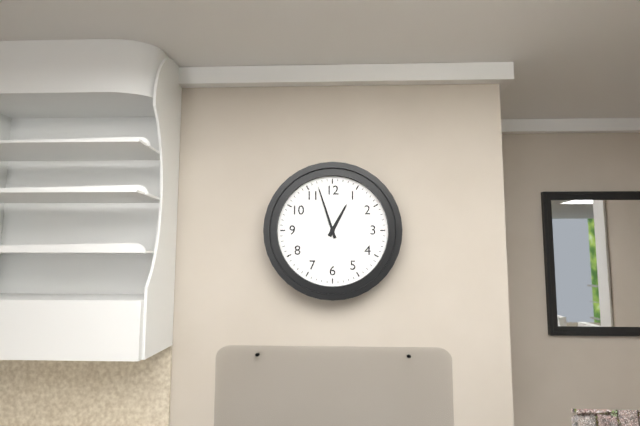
12:57
